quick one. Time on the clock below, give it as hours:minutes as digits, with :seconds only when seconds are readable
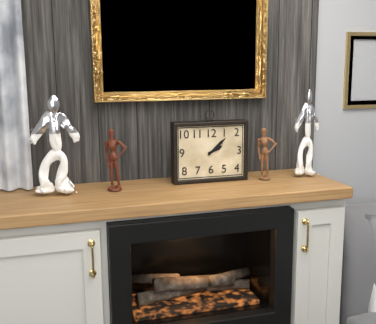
2:08
